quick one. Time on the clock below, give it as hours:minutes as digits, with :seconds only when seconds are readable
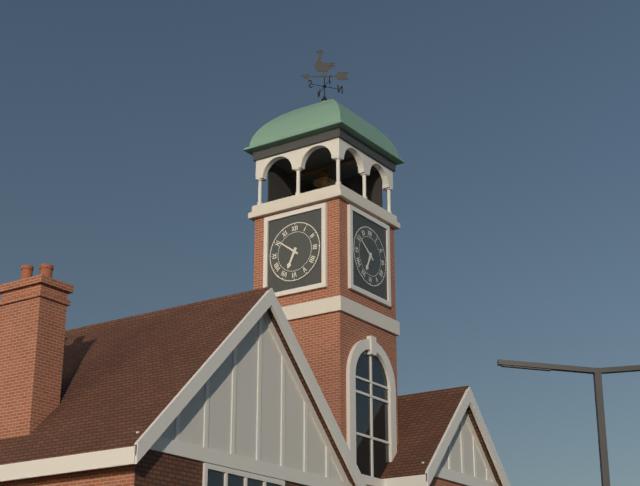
6:51
